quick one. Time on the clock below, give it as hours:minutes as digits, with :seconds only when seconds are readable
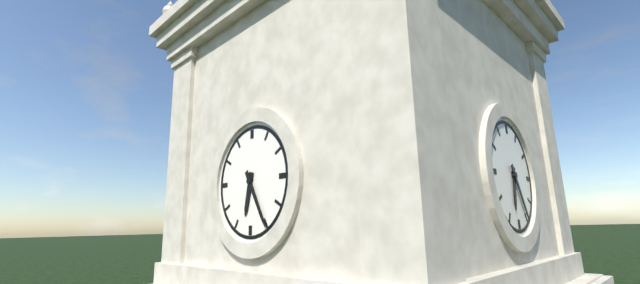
6:25
